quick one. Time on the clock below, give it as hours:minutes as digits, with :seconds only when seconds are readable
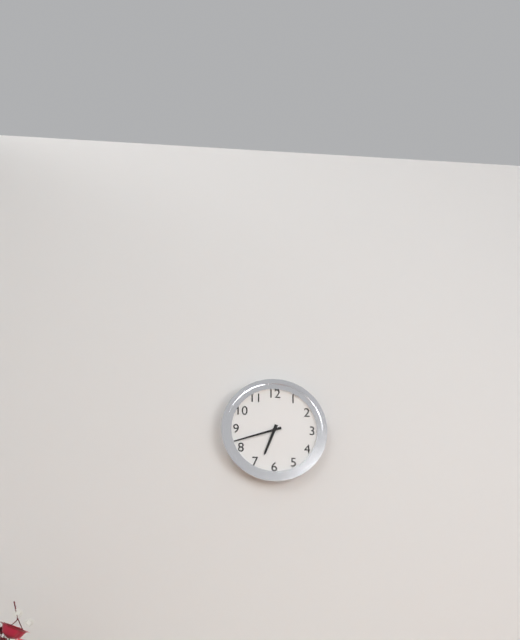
6:42
